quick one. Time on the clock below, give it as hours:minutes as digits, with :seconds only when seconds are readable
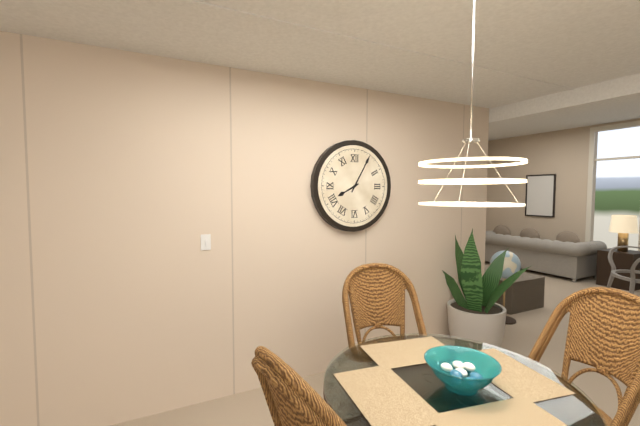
8:05
